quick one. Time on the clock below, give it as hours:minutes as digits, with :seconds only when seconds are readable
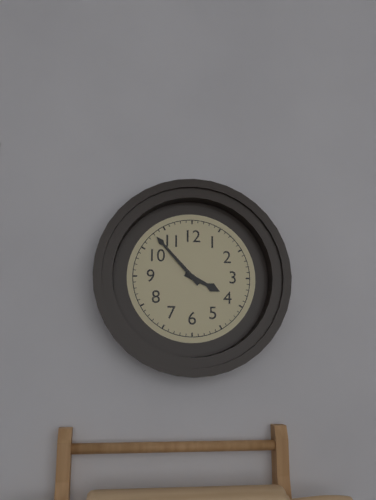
3:53
